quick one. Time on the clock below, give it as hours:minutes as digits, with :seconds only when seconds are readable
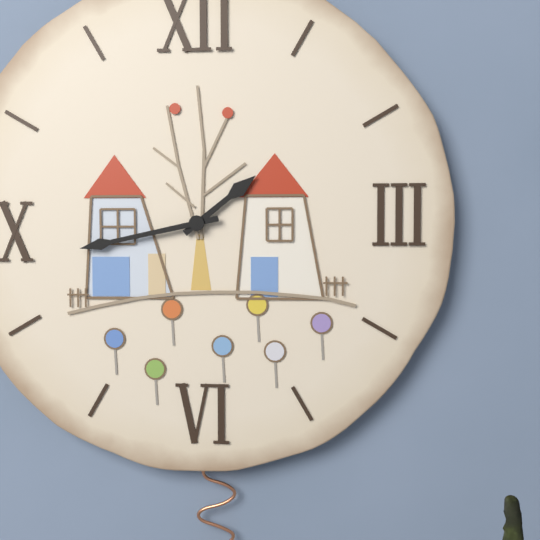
1:43
